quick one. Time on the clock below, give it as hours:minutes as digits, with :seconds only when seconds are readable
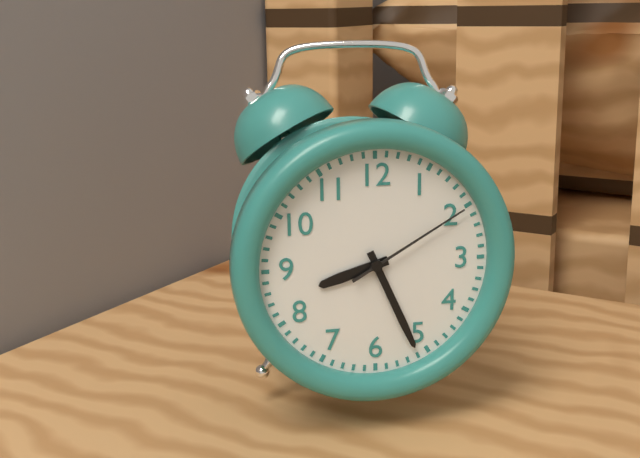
8:26:10
